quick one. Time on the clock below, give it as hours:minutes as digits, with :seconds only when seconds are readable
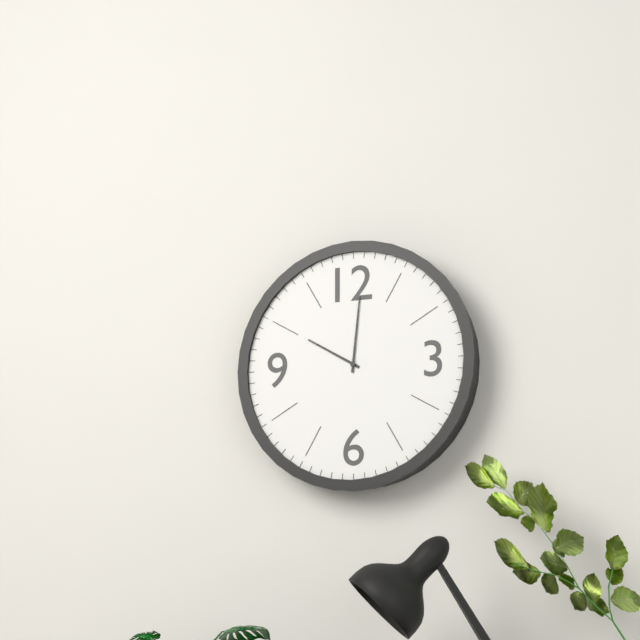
10:01
